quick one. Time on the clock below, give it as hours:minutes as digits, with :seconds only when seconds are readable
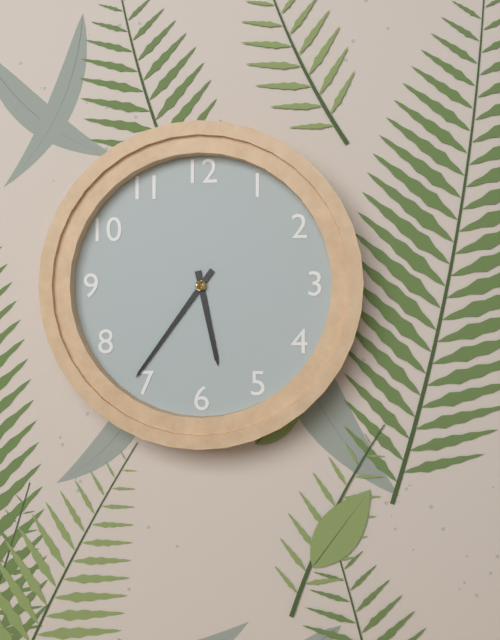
5:36
